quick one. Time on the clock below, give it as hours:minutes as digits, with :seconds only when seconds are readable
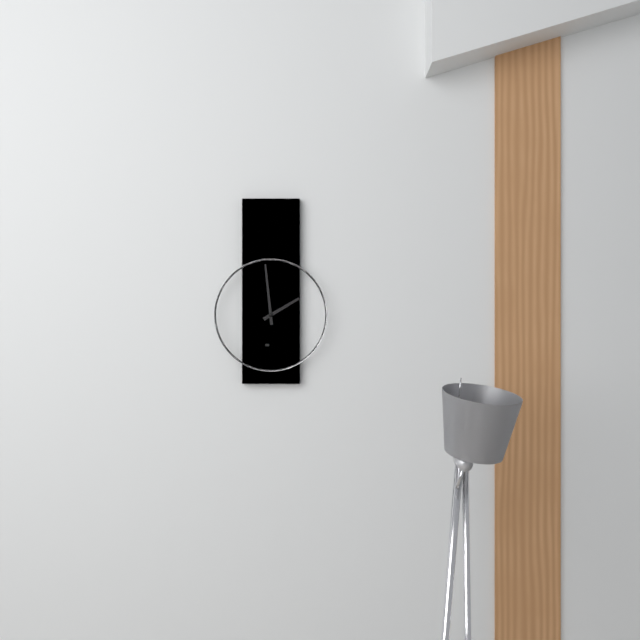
1:59
